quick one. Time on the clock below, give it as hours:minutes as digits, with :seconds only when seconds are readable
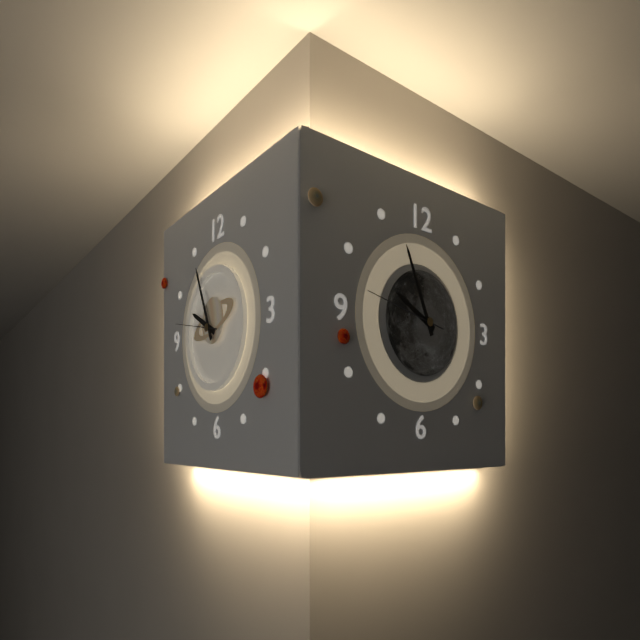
9:56:47
